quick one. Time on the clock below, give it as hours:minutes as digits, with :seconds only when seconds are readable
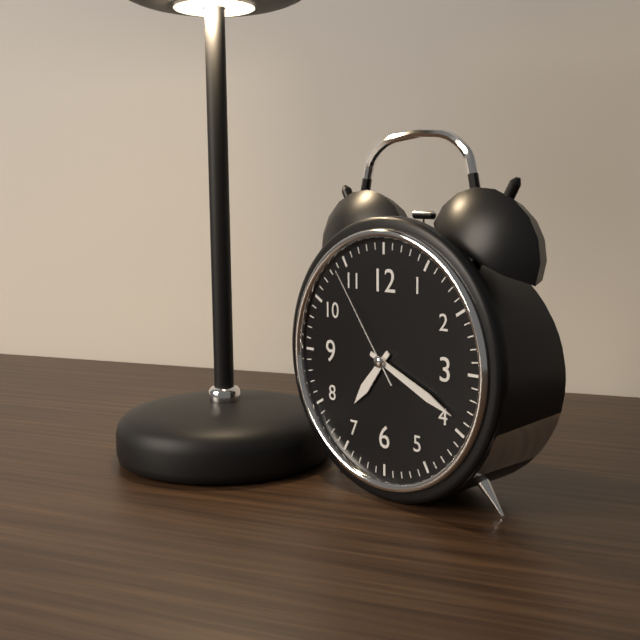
7:19:54
